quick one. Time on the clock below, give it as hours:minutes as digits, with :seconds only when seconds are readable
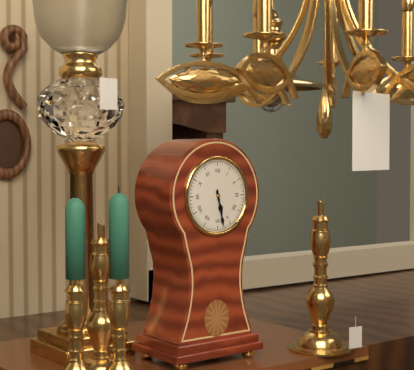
5:28
